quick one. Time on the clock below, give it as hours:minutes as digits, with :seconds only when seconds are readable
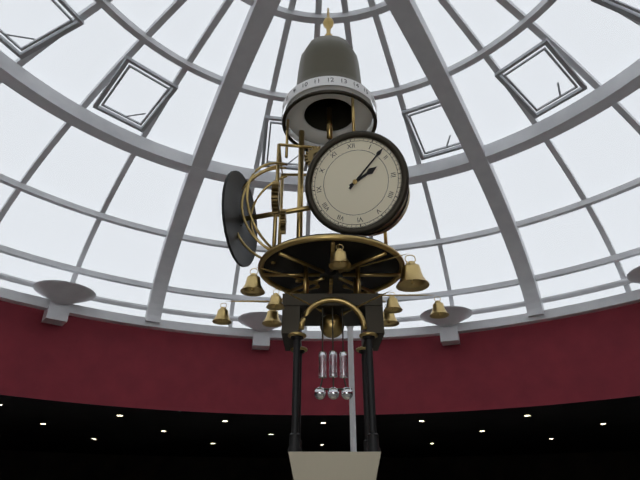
2:08
